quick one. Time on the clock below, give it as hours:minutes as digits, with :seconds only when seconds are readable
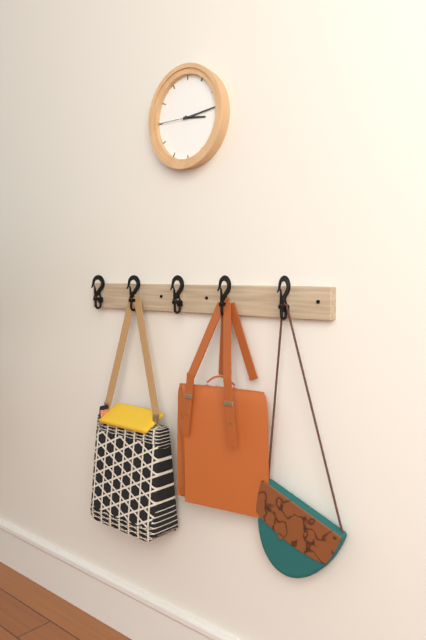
3:14
